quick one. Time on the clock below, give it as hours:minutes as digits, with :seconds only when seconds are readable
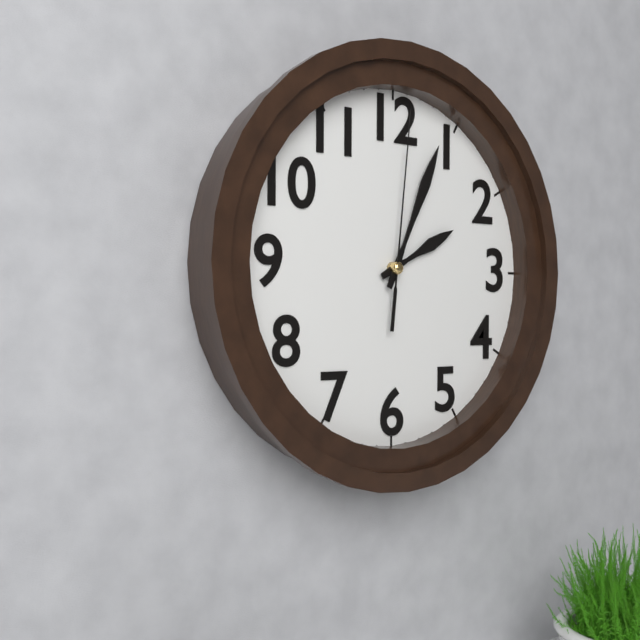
2:04:01
